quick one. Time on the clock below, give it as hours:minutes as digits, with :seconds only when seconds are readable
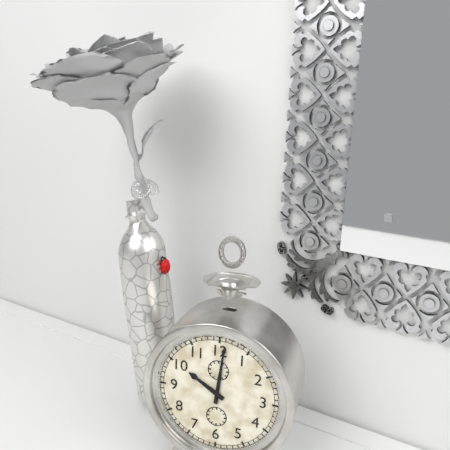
10:01
